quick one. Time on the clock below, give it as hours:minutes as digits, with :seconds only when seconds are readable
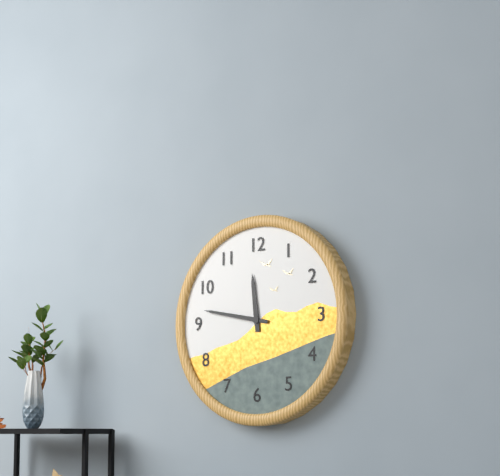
11:47
